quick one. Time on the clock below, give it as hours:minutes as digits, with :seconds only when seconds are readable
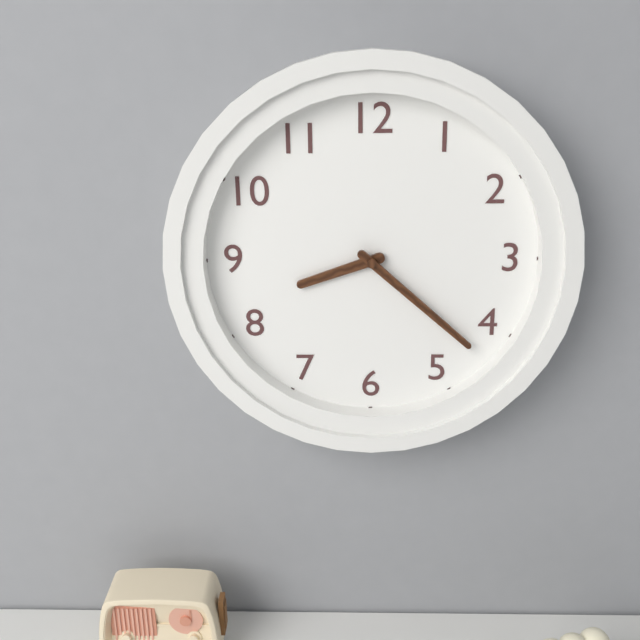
8:22
